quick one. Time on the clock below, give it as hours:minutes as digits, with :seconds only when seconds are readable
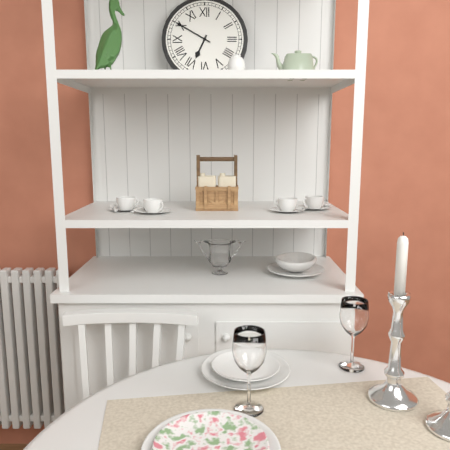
6:50
